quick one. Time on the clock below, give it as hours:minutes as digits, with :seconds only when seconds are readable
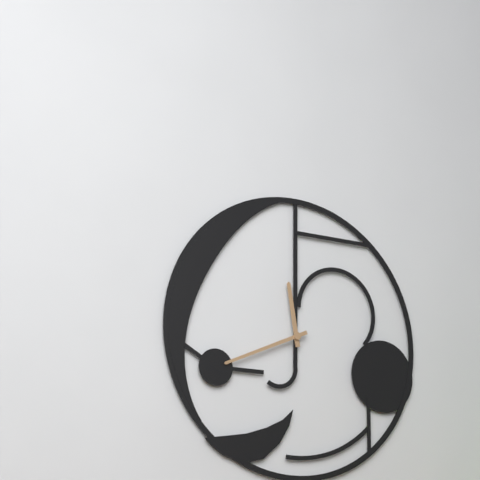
11:41
